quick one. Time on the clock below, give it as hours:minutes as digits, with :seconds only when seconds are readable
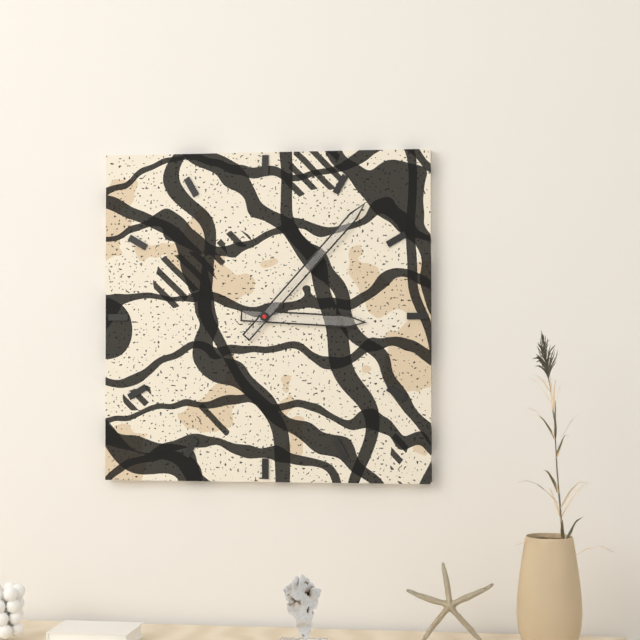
3:07
